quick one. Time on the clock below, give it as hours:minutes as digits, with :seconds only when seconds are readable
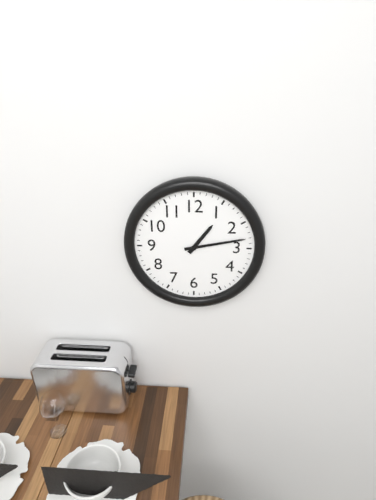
1:13
